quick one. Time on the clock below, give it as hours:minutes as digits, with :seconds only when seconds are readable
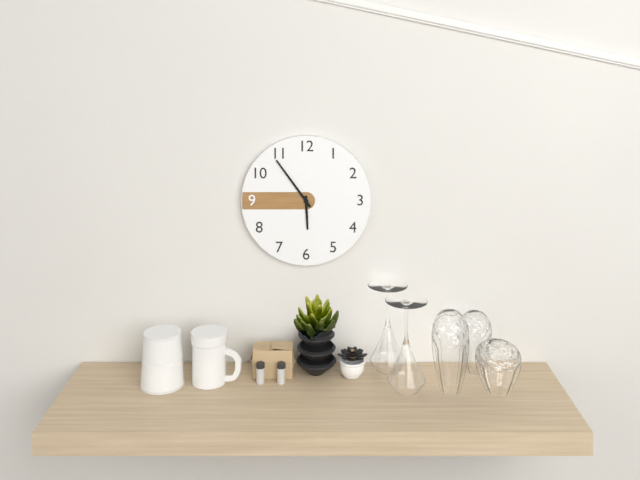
5:54
